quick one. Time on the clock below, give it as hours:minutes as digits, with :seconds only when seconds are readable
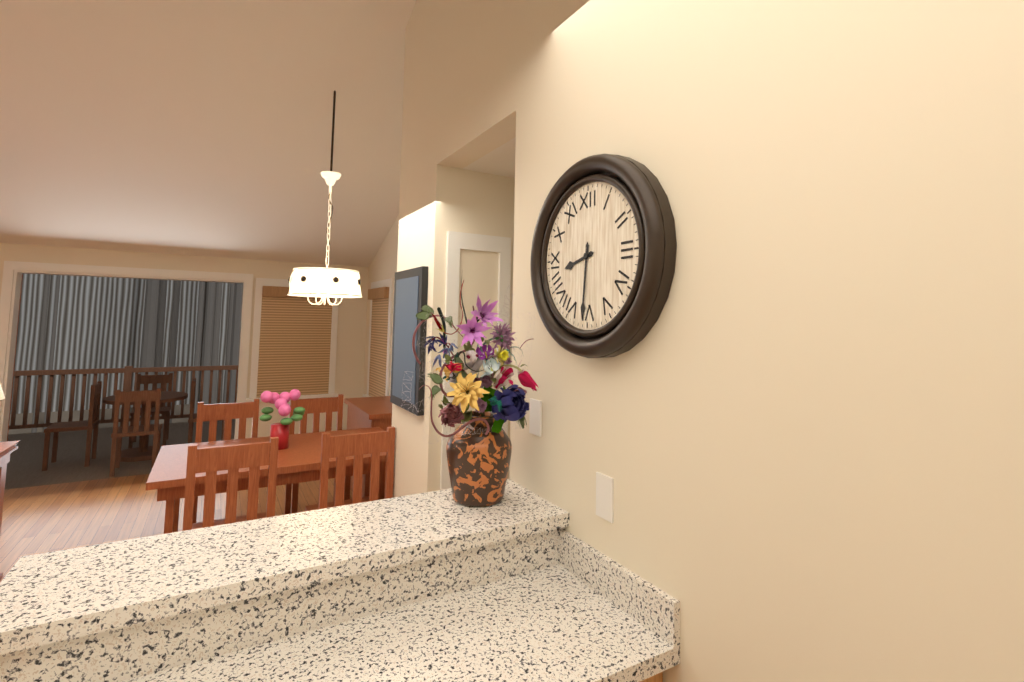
8:31
